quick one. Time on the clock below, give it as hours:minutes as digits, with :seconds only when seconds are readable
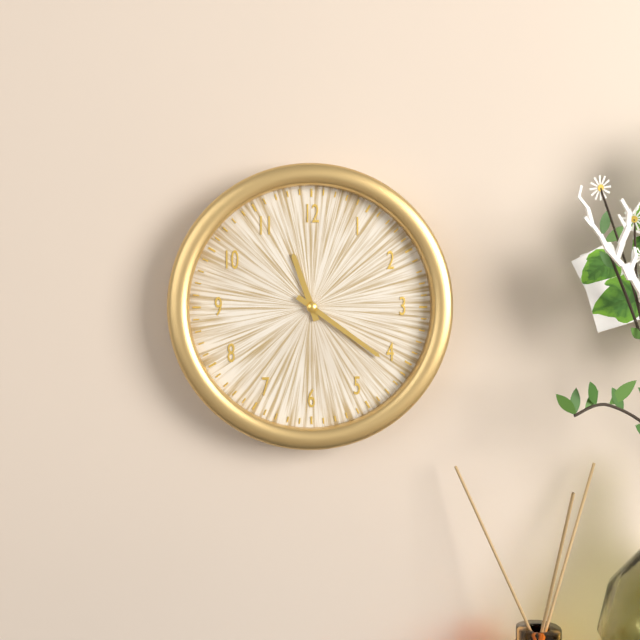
11:21
